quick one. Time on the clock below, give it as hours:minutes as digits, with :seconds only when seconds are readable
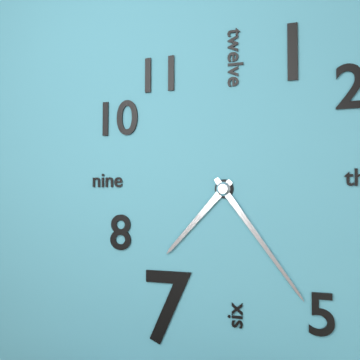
7:24
